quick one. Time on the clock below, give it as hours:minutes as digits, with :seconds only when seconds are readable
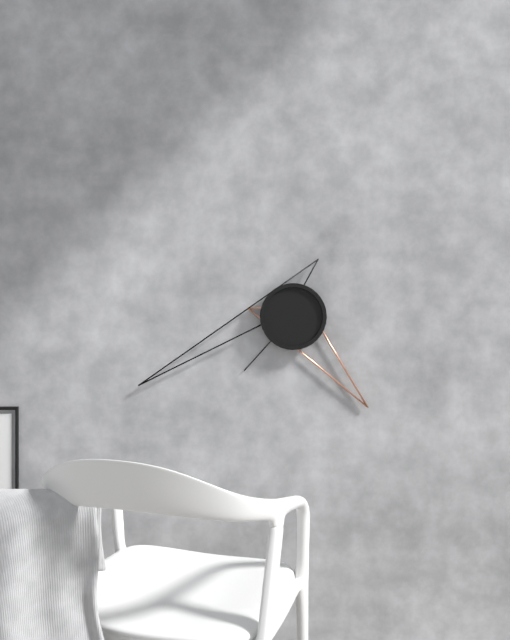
4:41:37
